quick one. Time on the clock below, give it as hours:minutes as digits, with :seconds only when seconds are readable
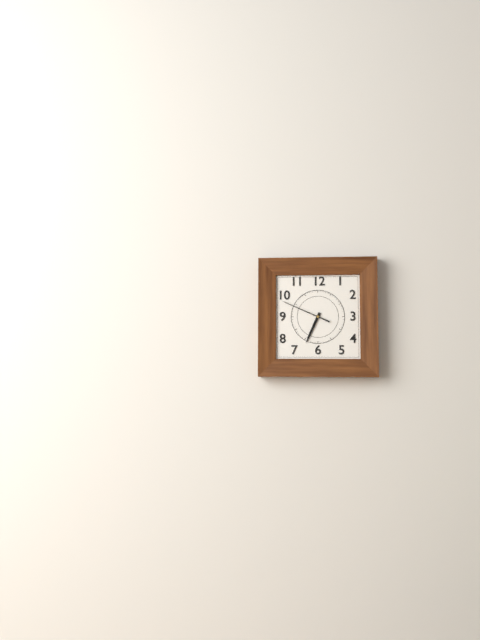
6:49
